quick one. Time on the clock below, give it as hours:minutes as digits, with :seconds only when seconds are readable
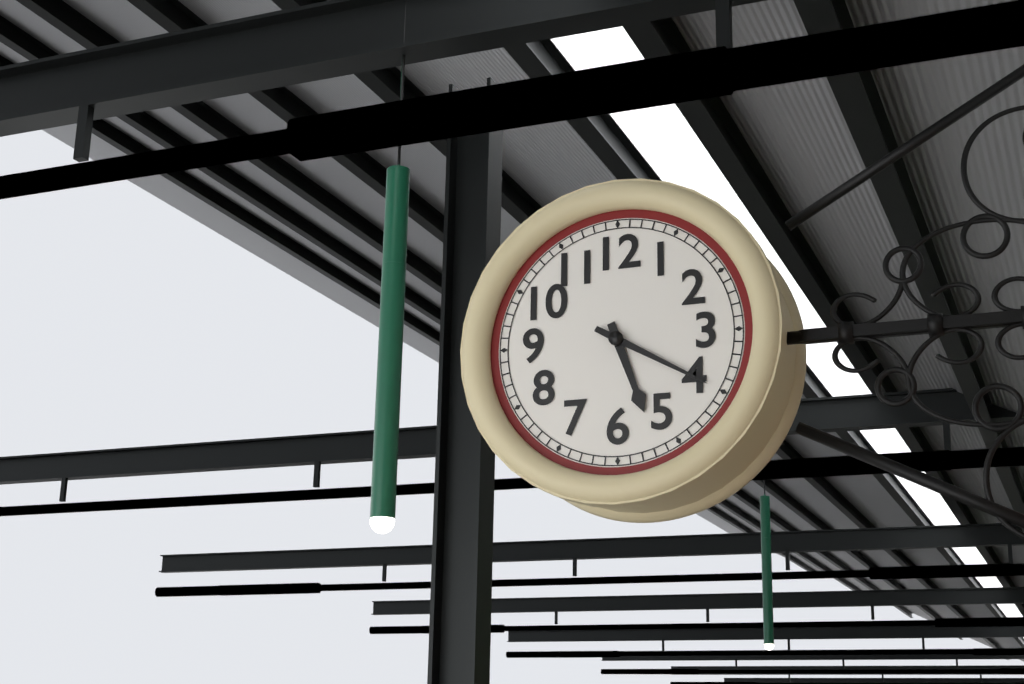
5:20
